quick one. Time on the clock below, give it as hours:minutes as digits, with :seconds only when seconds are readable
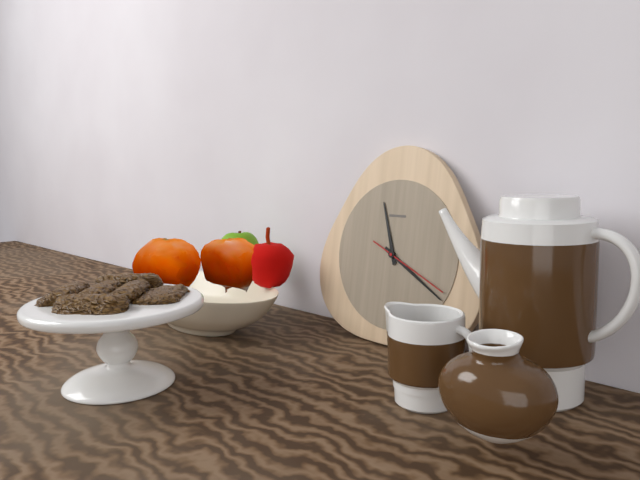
11:20:19
